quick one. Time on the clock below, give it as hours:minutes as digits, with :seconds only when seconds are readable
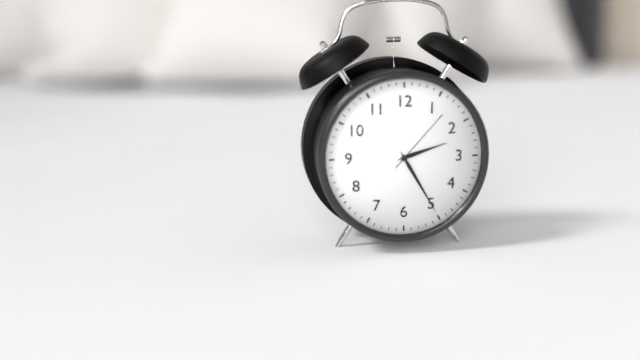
2:25:07
